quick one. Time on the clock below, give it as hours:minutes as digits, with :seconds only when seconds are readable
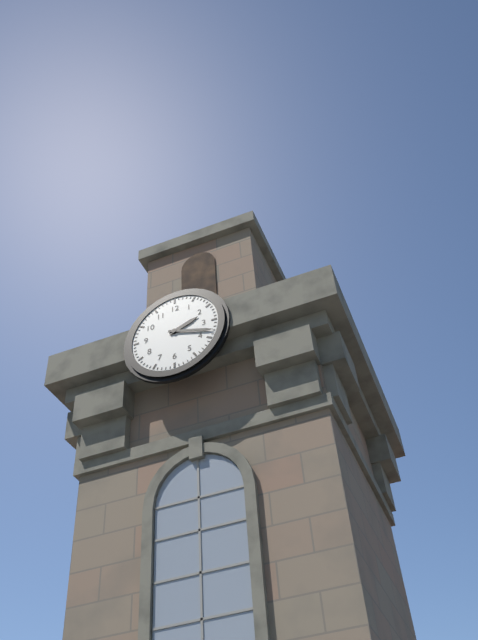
2:18
